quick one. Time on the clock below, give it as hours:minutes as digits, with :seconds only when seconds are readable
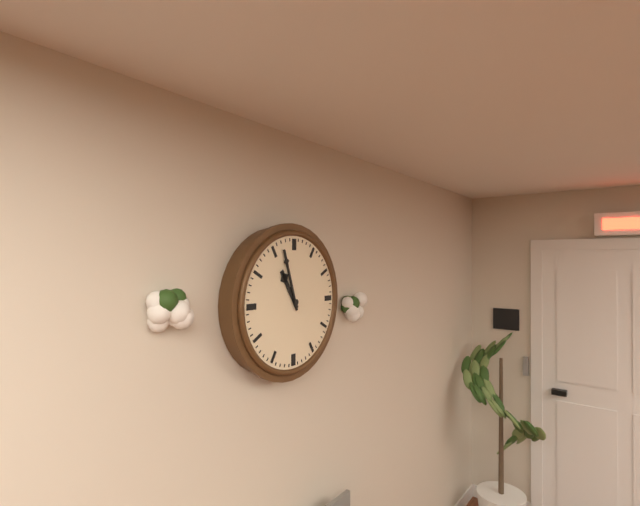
10:57
